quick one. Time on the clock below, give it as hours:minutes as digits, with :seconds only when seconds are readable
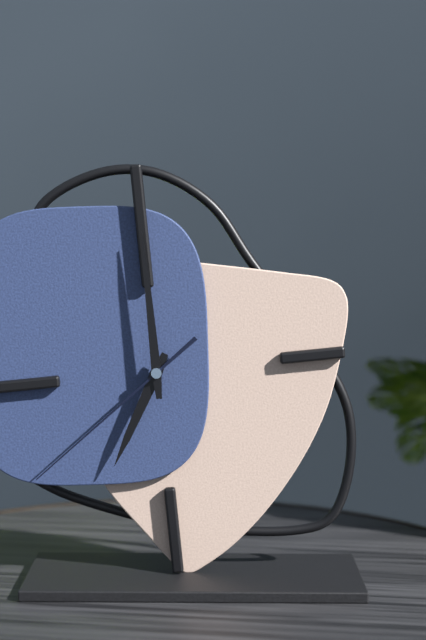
7:00:39
